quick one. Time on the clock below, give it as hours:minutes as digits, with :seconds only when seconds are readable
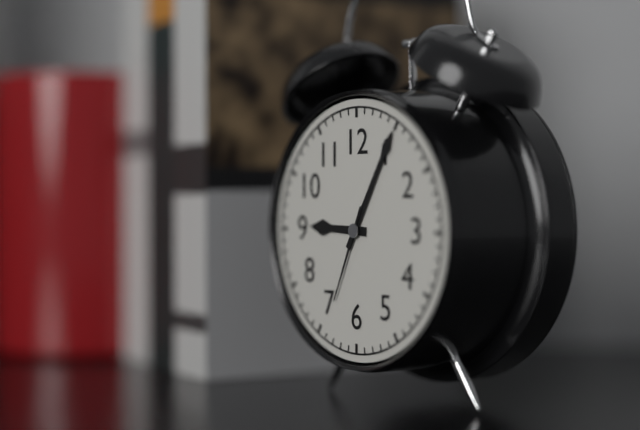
9:05:34
